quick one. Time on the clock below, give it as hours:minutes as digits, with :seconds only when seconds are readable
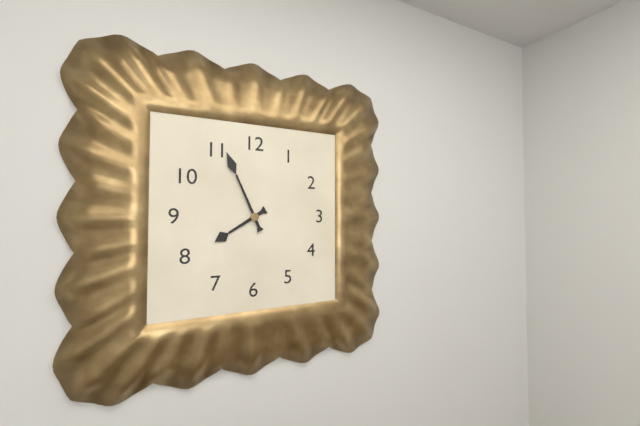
7:56
